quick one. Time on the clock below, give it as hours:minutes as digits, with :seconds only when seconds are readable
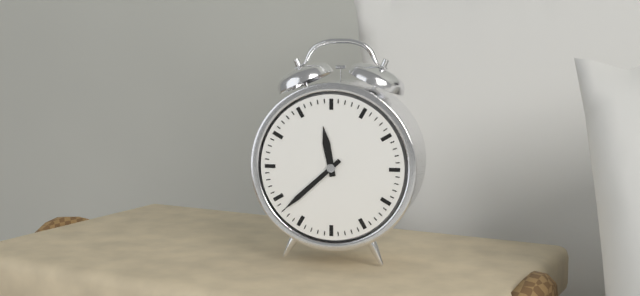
11:38
